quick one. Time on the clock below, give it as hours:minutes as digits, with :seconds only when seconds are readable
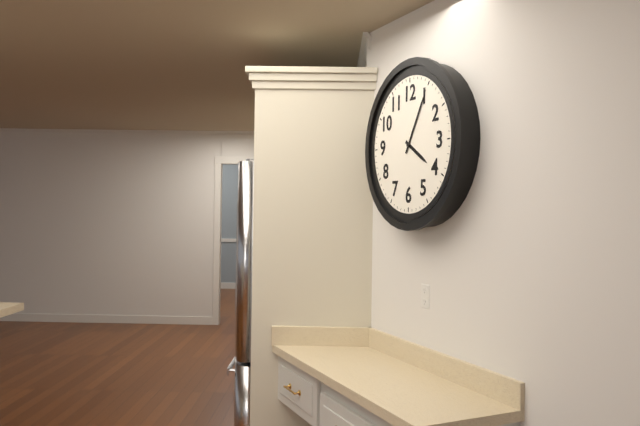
4:05
